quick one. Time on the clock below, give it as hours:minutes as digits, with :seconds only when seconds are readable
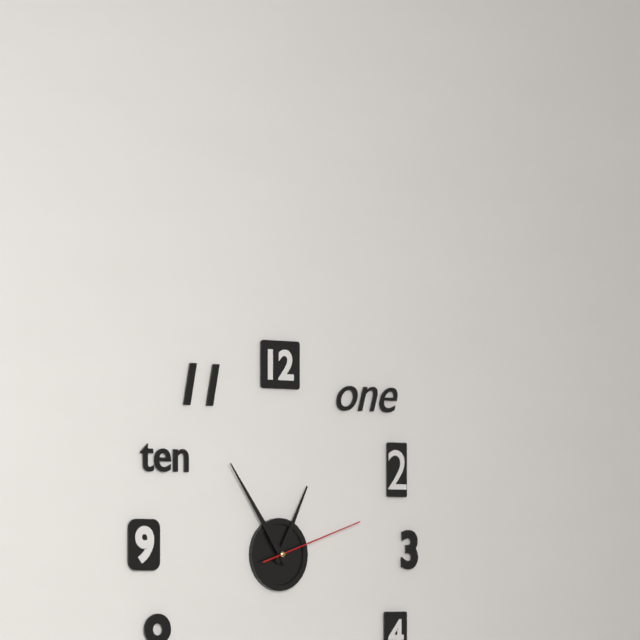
12:54:12
